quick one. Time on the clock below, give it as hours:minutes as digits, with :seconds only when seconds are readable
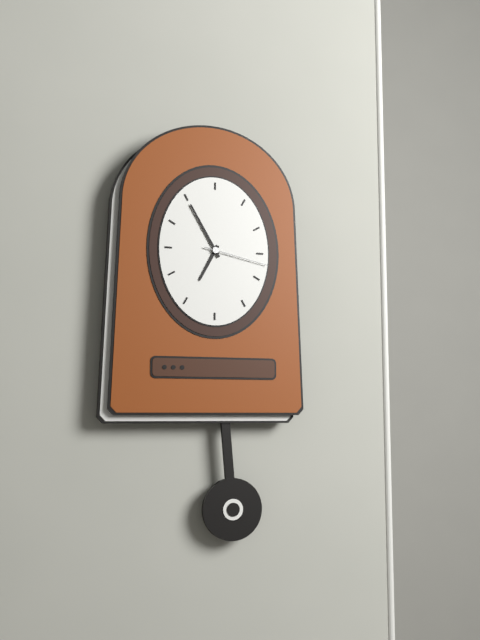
6:55:17
